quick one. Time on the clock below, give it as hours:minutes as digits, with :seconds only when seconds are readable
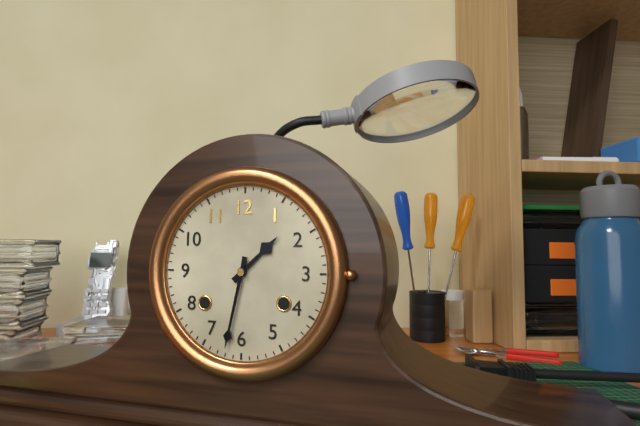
1:32
